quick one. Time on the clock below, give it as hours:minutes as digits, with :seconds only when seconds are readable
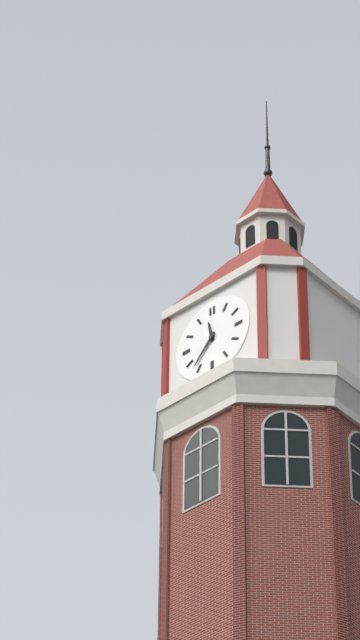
11:37
